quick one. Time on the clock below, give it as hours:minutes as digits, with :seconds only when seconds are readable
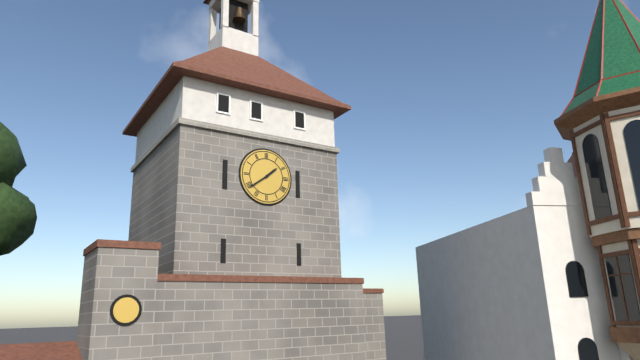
1:39
